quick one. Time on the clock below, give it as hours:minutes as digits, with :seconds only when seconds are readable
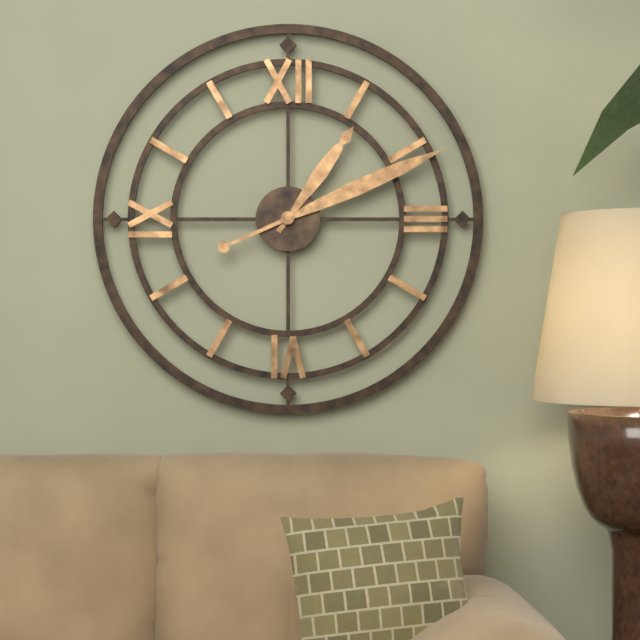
1:11
